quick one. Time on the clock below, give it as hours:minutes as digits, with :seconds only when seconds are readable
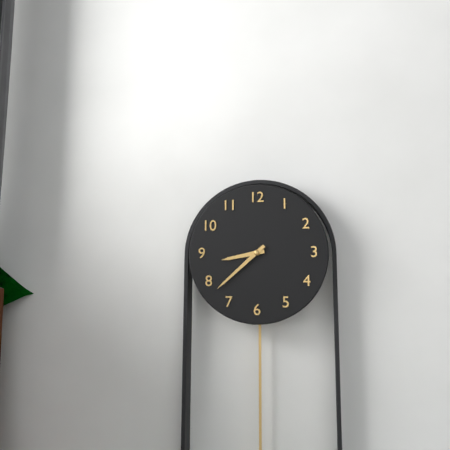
8:38
